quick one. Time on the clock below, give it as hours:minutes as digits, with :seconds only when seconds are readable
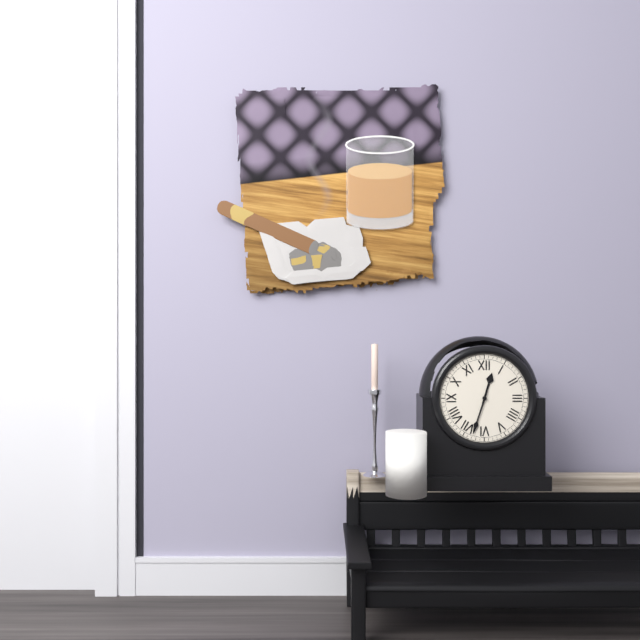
12:33
